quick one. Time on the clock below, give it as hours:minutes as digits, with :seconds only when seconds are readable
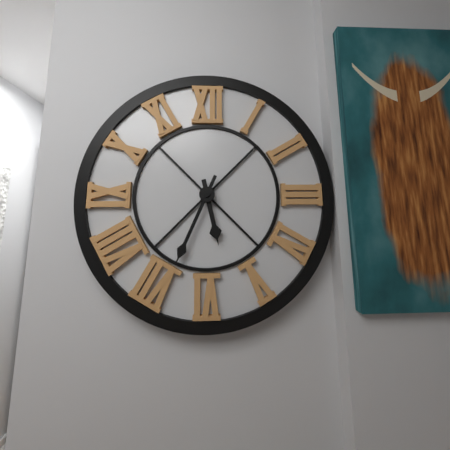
5:34
